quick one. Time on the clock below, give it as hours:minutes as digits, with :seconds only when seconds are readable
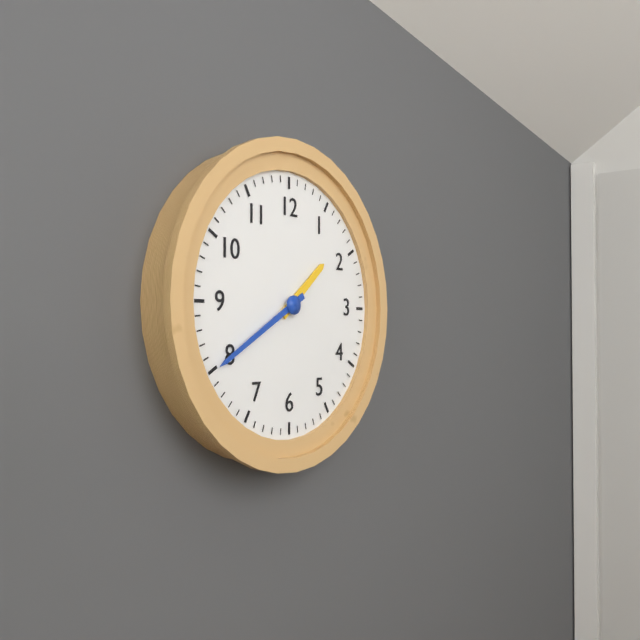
1:40
